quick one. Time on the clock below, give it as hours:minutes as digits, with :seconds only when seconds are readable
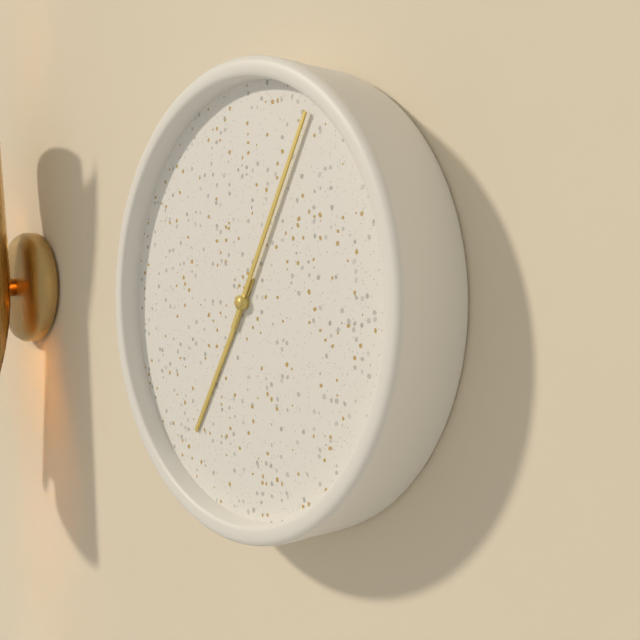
7:05
